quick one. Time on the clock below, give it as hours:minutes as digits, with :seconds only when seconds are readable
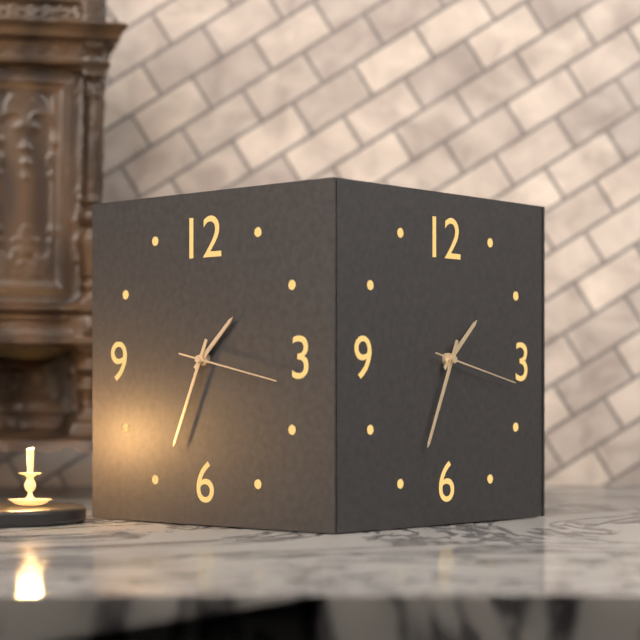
1:34:17
